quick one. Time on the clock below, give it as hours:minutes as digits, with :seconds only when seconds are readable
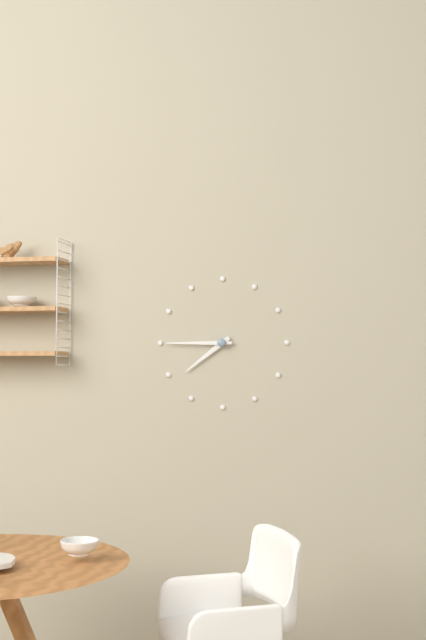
7:45
